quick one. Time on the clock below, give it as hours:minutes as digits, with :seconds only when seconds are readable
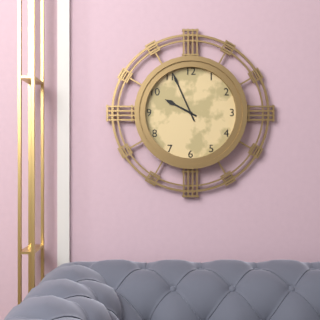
9:56
